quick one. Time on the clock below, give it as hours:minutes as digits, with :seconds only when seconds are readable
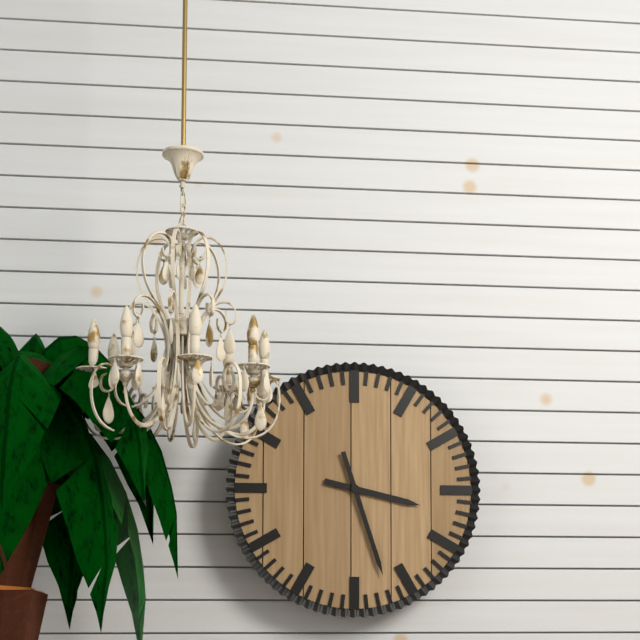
3:27
